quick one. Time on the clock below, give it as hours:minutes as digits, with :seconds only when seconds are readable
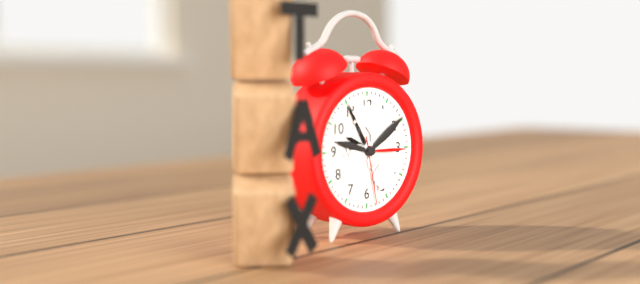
9:55:28
